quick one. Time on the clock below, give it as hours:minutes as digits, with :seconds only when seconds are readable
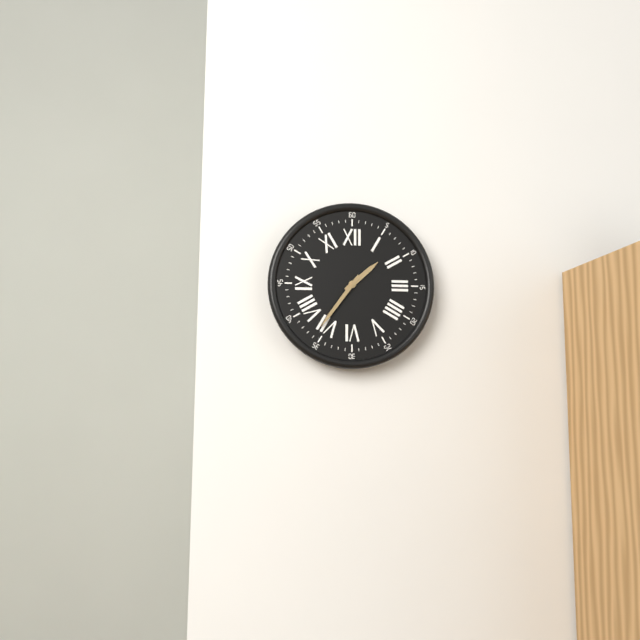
1:36
